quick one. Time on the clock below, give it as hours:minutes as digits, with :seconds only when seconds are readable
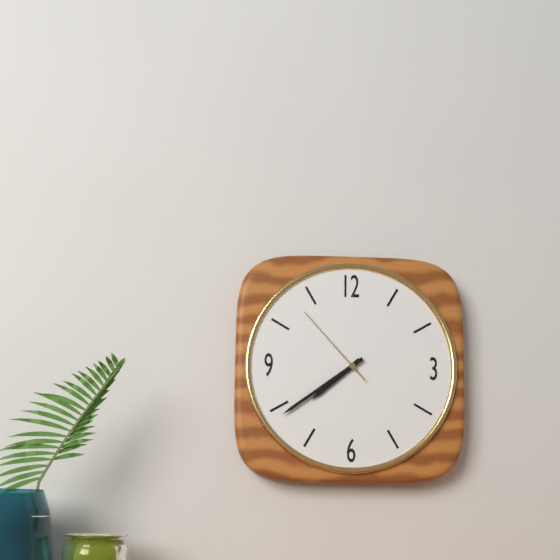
7:39:53
